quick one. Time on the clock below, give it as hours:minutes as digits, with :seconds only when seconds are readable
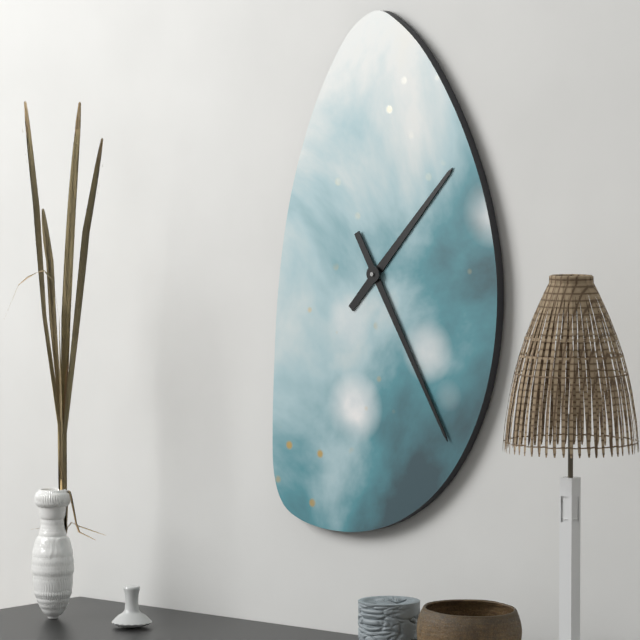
1:25
